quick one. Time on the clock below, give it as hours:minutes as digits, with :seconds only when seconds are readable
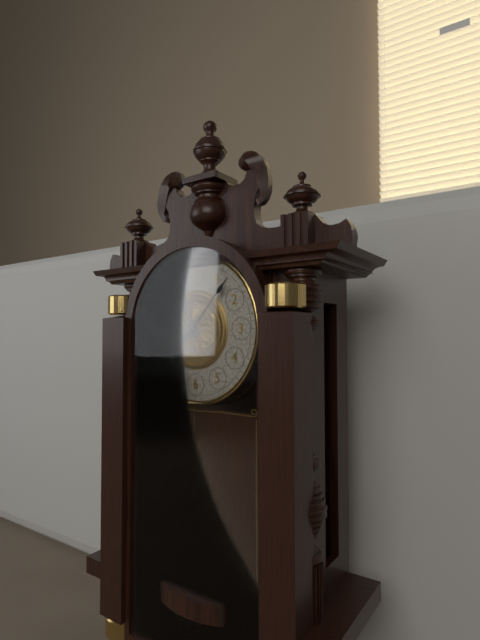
11:07
